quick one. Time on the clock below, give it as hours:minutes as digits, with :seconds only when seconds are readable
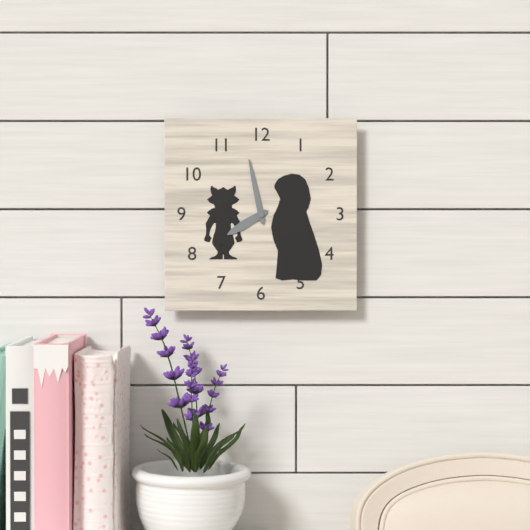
7:58
